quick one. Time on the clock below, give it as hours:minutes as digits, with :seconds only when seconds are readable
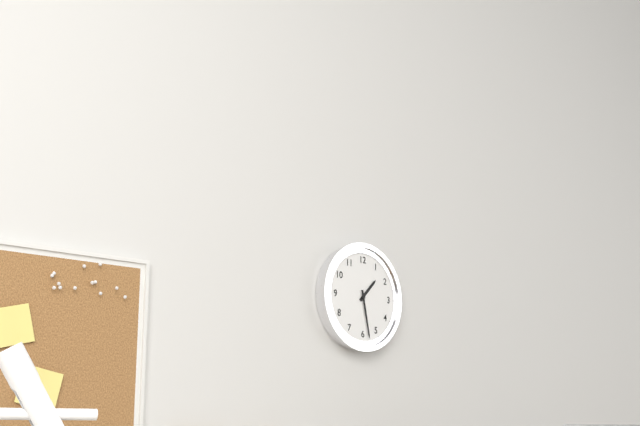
1:28
